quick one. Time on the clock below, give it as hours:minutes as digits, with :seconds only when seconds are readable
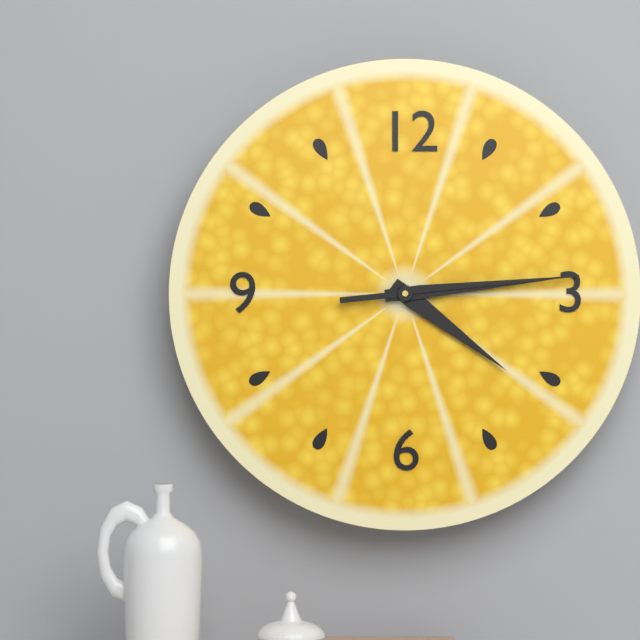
4:14:14
